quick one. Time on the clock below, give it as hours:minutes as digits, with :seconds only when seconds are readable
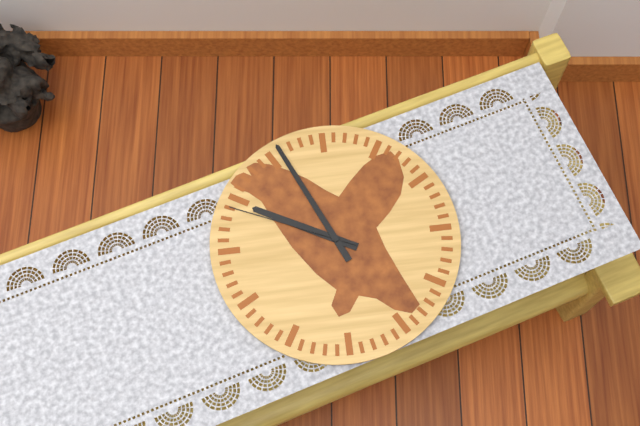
9:56:49
